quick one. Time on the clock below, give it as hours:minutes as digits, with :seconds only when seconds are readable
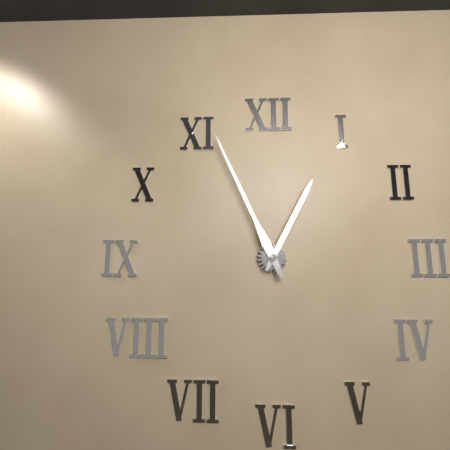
12:56
